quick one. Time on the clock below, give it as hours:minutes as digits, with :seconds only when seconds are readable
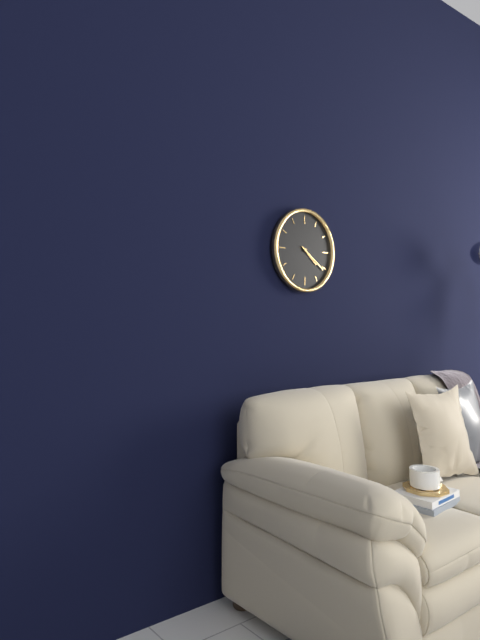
4:21
